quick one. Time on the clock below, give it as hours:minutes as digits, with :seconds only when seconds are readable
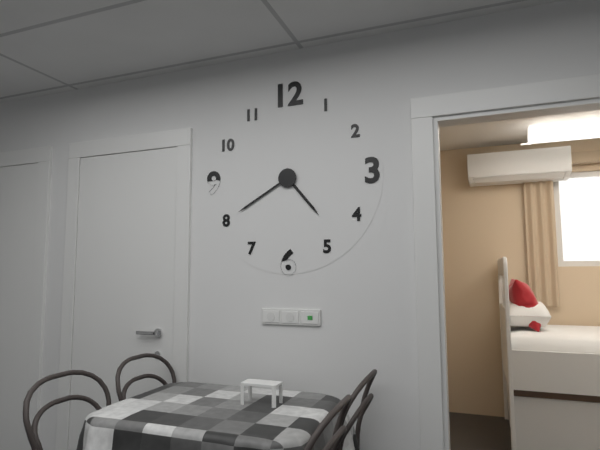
4:40
